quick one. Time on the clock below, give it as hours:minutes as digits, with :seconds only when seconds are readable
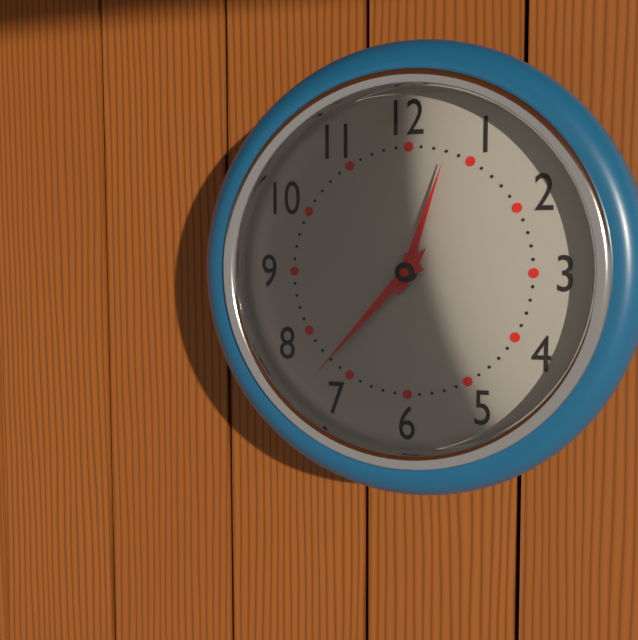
12:37
